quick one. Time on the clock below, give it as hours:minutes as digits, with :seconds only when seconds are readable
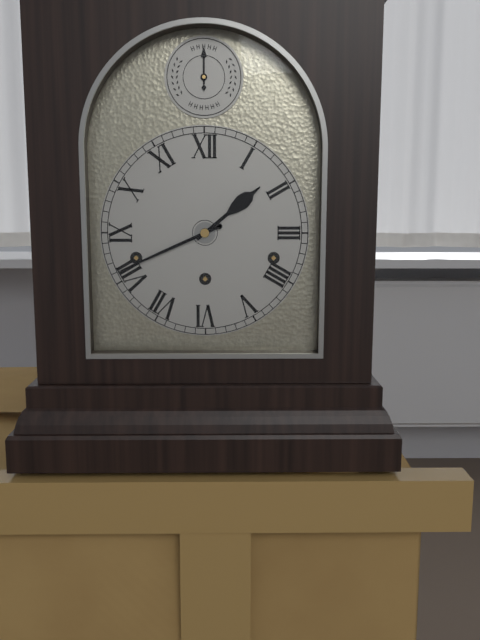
1:41
